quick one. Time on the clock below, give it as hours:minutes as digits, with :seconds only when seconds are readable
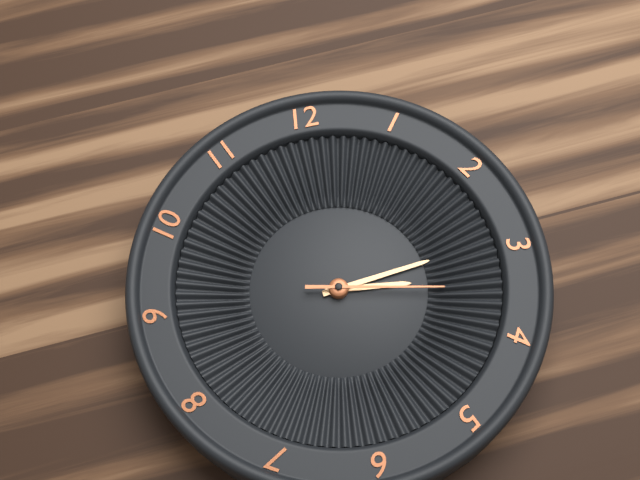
3:14:17
